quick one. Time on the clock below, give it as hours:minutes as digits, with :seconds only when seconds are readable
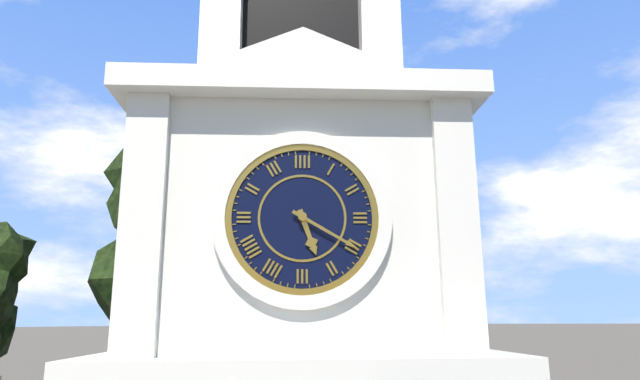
5:20
